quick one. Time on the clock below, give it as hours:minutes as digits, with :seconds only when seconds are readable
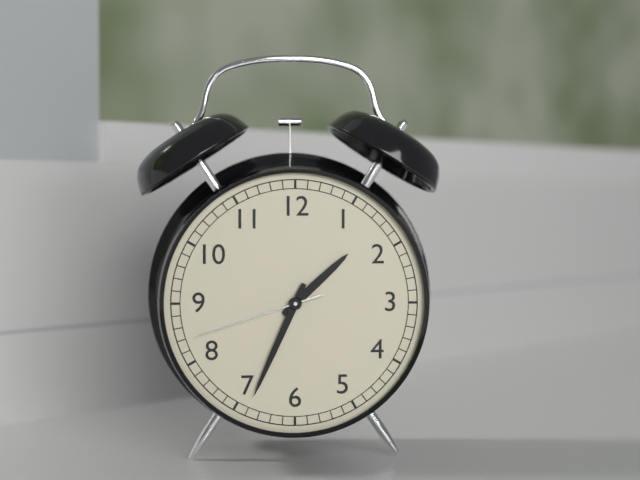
1:34:42
